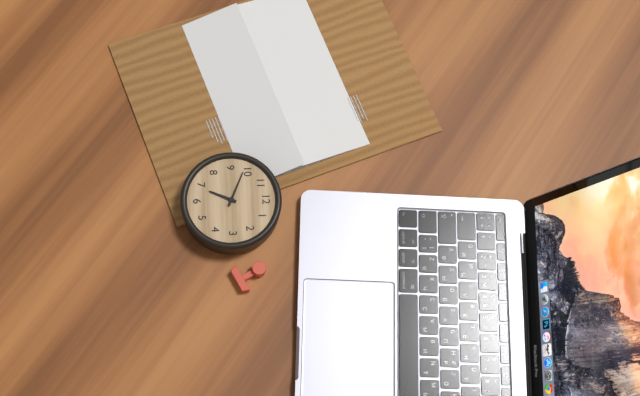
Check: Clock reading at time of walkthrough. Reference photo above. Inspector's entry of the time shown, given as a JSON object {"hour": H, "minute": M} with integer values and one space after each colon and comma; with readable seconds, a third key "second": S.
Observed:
{"hour": 6, "minute": 49}
